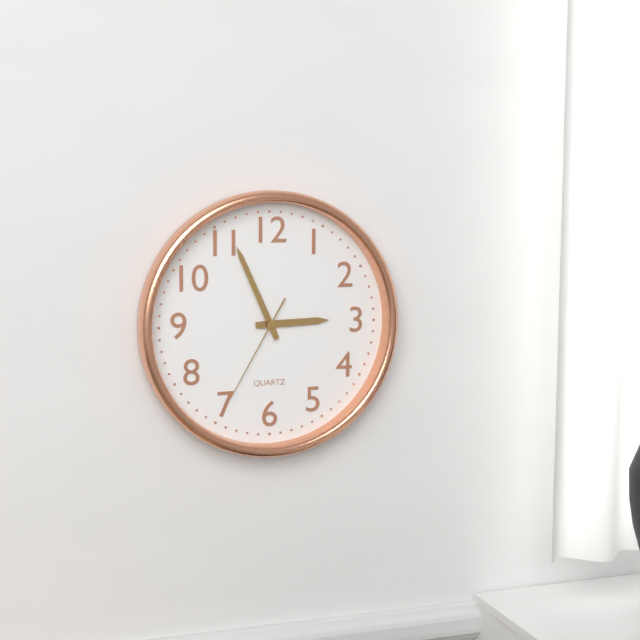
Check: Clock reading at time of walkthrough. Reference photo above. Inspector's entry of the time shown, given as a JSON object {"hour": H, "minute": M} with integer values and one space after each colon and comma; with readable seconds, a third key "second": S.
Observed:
{"hour": 2, "minute": 56, "second": 35}
